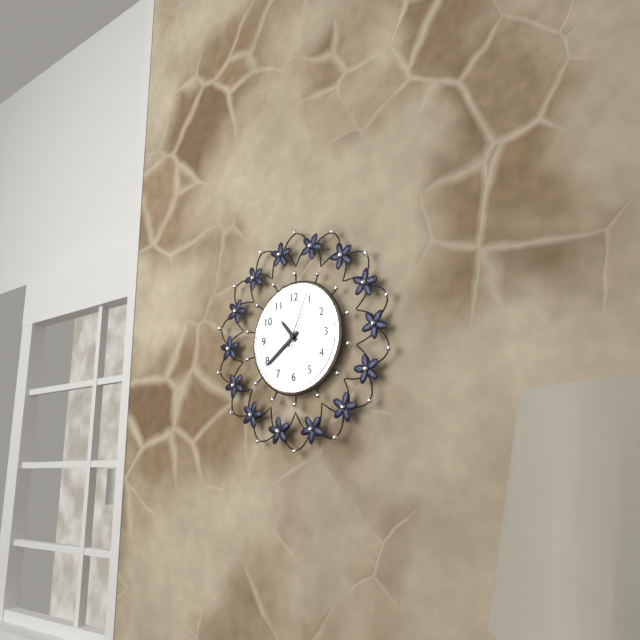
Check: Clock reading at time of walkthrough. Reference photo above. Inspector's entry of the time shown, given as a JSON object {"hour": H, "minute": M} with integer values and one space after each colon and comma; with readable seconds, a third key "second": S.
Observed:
{"hour": 10, "minute": 39, "second": 4}
